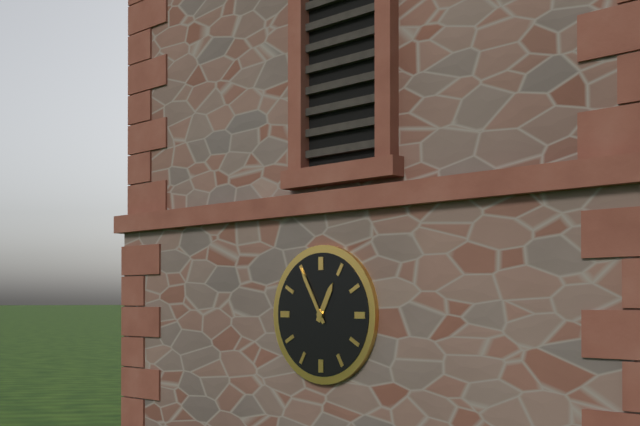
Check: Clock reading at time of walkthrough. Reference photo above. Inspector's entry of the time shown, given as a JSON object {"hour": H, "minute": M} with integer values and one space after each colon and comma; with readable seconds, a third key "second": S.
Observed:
{"hour": 12, "minute": 55}
